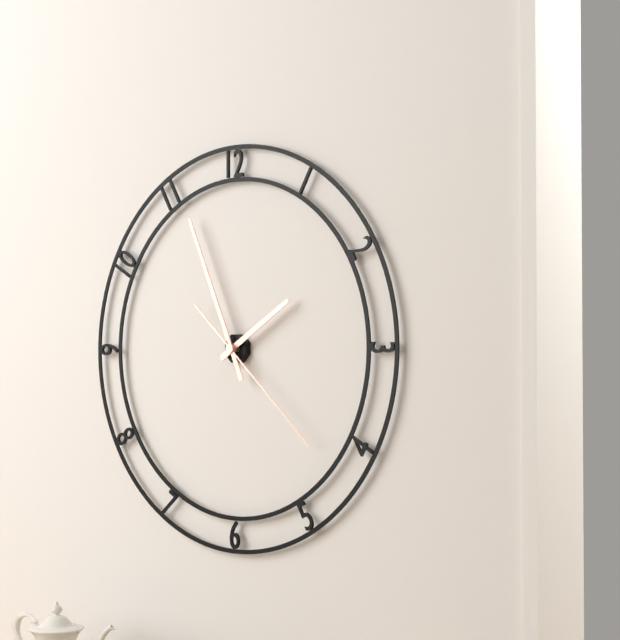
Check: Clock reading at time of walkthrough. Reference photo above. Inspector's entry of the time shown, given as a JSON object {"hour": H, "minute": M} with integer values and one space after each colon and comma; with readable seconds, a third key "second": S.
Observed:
{"hour": 1, "minute": 56, "second": 22}
